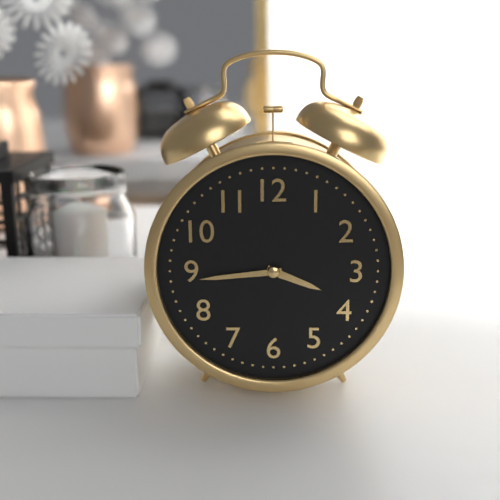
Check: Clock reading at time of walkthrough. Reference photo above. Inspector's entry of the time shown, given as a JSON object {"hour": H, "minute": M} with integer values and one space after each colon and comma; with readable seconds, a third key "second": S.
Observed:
{"hour": 3, "minute": 44}
